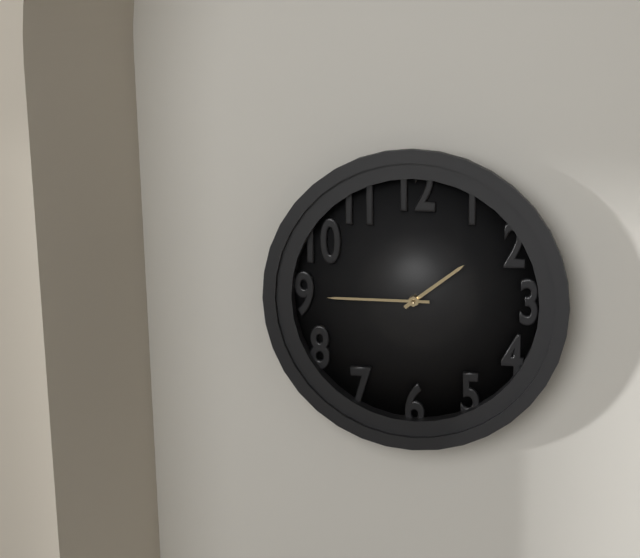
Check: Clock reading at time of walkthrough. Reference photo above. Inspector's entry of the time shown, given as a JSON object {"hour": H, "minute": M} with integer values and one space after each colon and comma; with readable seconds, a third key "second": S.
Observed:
{"hour": 1, "minute": 45}
